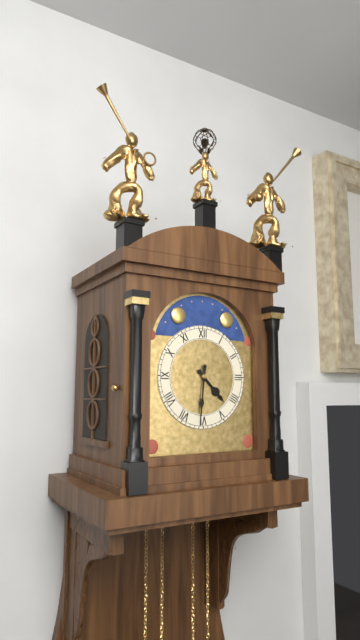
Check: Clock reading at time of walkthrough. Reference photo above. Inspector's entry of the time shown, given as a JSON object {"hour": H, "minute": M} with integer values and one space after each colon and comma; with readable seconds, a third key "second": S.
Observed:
{"hour": 4, "minute": 31}
